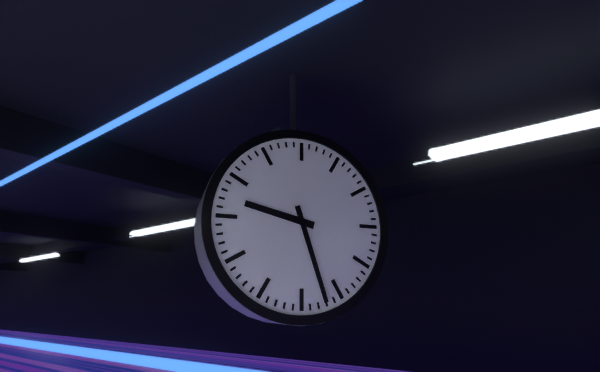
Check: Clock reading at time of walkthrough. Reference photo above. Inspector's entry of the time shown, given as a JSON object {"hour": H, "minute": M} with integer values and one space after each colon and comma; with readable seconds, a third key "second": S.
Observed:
{"hour": 9, "minute": 27}
